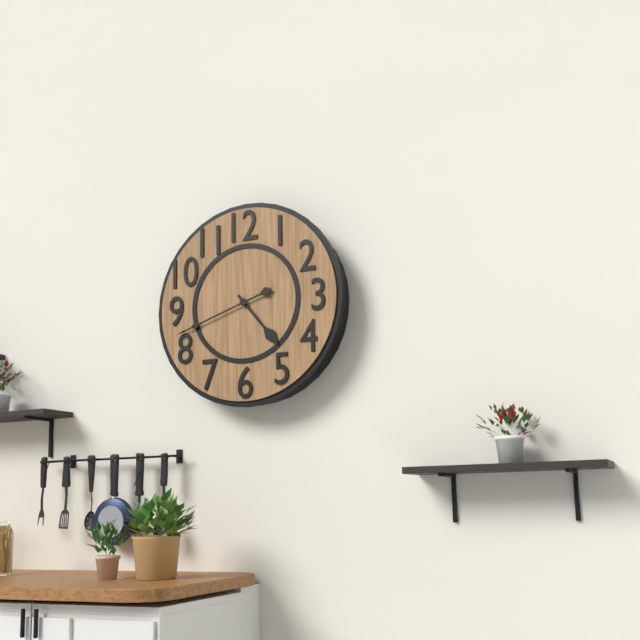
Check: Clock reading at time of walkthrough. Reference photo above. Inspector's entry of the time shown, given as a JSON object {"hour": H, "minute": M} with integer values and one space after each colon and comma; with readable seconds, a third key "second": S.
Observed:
{"hour": 4, "minute": 42}
